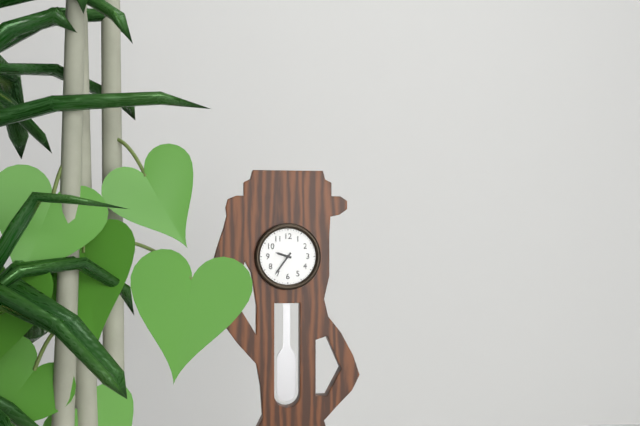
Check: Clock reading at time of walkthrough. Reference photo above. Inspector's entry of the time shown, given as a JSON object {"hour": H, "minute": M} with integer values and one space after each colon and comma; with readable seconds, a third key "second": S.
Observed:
{"hour": 9, "minute": 36}
